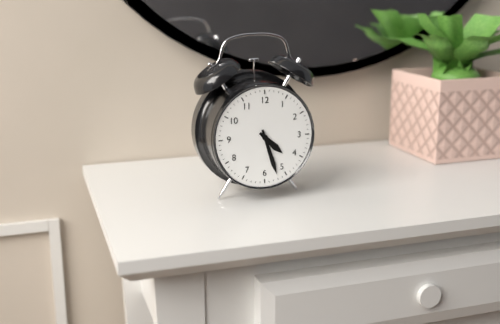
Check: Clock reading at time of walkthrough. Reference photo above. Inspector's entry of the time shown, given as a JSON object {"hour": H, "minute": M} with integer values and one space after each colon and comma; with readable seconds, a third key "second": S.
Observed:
{"hour": 4, "minute": 27}
